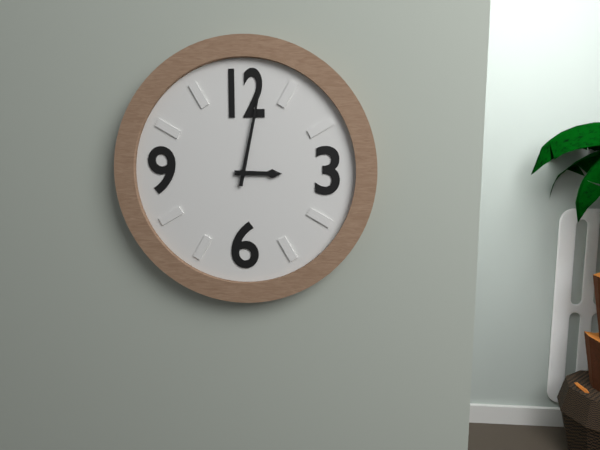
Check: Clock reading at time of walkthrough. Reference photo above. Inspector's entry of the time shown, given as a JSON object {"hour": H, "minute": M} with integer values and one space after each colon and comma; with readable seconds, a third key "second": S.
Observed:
{"hour": 3, "minute": 2}
